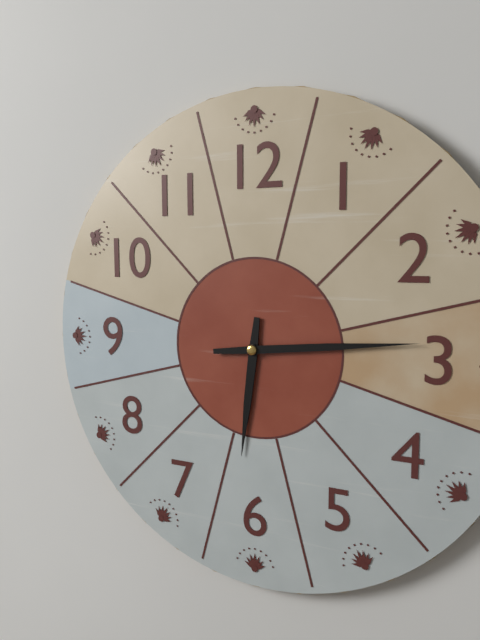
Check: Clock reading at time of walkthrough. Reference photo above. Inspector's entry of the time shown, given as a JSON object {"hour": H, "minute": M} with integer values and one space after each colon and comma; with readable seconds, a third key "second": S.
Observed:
{"hour": 6, "minute": 14}
